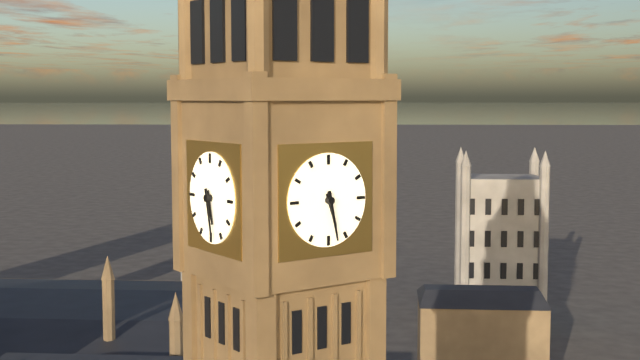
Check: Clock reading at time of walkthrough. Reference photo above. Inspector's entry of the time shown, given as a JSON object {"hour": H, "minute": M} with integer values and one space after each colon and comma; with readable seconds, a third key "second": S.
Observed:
{"hour": 5, "minute": 28}
